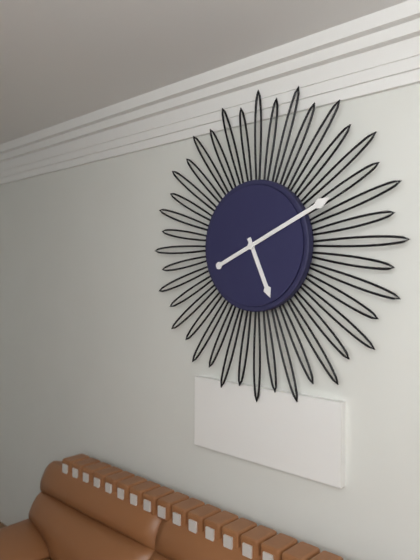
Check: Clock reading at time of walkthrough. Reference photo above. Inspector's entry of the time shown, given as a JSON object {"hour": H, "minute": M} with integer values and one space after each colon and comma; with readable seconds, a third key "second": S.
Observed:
{"hour": 5, "minute": 11}
